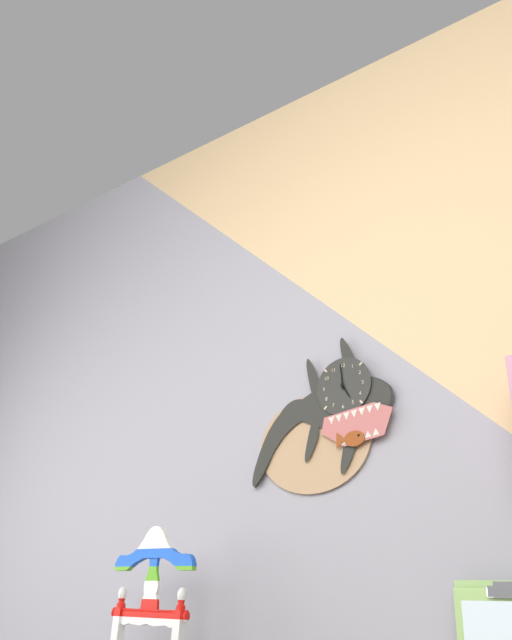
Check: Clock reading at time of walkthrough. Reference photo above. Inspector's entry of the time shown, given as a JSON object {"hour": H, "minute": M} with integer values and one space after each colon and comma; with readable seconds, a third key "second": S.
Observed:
{"hour": 4, "minute": 59}
